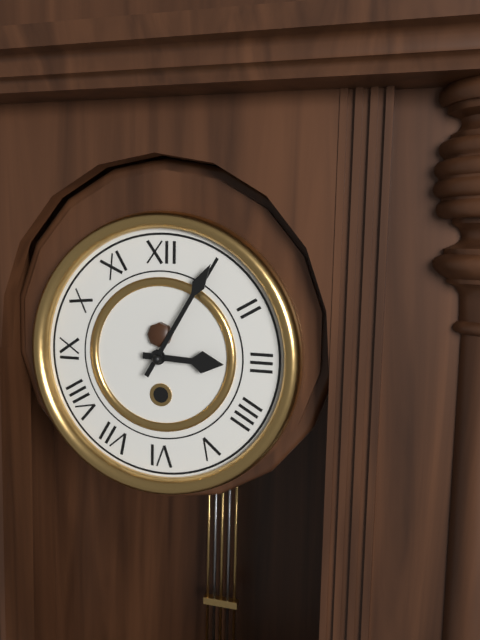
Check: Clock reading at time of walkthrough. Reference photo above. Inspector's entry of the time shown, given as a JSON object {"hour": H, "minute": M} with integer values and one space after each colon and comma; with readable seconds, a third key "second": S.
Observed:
{"hour": 3, "minute": 5}
